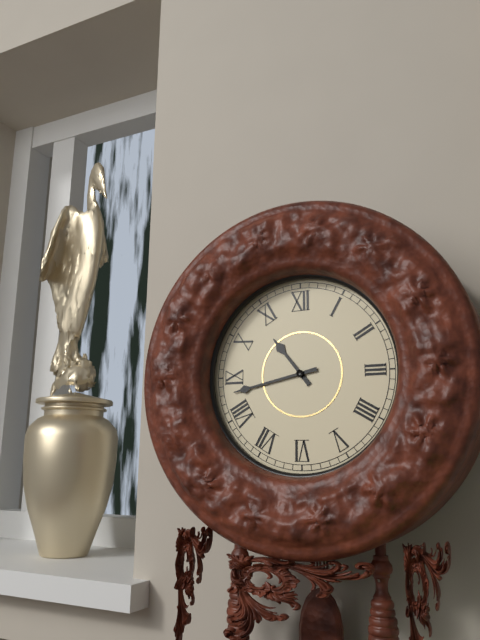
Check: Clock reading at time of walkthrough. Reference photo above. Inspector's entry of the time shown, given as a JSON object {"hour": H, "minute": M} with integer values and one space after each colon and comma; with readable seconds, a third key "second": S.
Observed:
{"hour": 10, "minute": 43}
